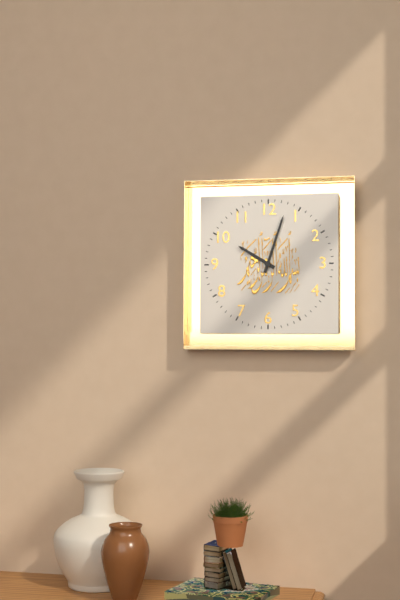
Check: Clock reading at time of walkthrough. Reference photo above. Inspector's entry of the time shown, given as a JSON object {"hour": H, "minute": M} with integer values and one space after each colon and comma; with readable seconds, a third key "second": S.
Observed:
{"hour": 10, "minute": 3}
